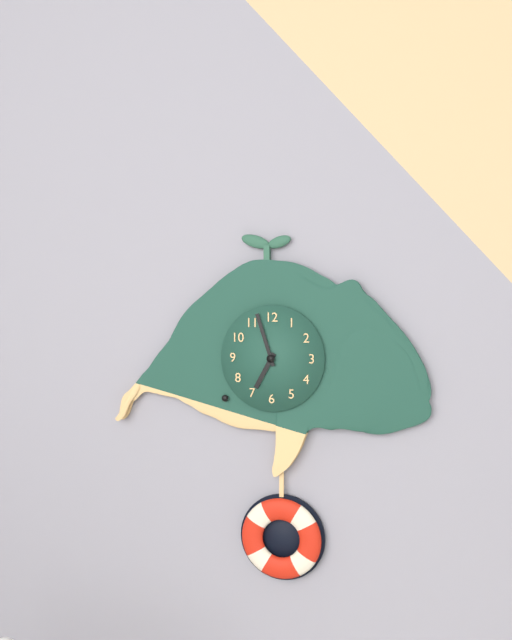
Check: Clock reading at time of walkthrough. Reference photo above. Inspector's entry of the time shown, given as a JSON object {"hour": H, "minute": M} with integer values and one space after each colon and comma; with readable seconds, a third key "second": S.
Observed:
{"hour": 6, "minute": 57}
